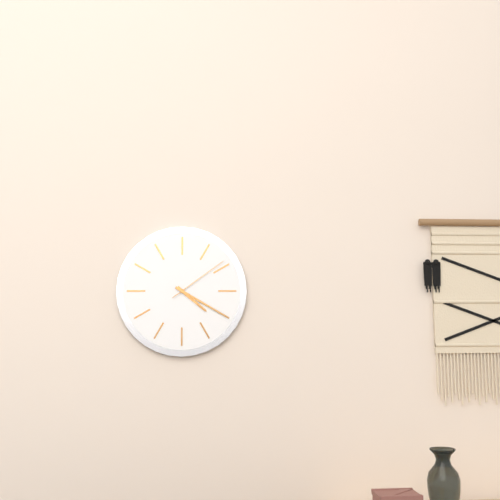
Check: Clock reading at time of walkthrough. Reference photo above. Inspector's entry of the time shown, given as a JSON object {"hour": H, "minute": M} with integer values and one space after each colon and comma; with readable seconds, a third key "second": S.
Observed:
{"hour": 4, "minute": 20, "second": 9}
